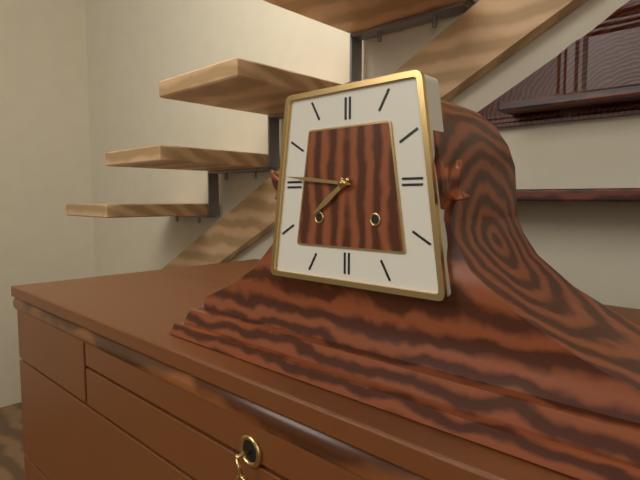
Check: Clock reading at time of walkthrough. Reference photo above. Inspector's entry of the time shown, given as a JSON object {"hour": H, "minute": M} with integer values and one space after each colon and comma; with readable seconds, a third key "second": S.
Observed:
{"hour": 7, "minute": 46}
